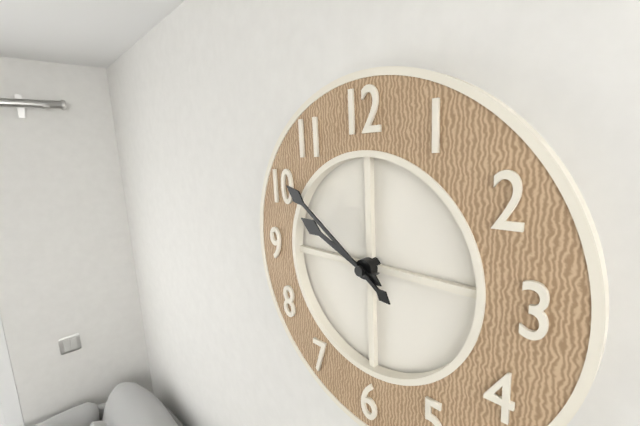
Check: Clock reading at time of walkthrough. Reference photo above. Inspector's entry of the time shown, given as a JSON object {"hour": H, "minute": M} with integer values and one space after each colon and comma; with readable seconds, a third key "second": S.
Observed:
{"hour": 9, "minute": 51}
